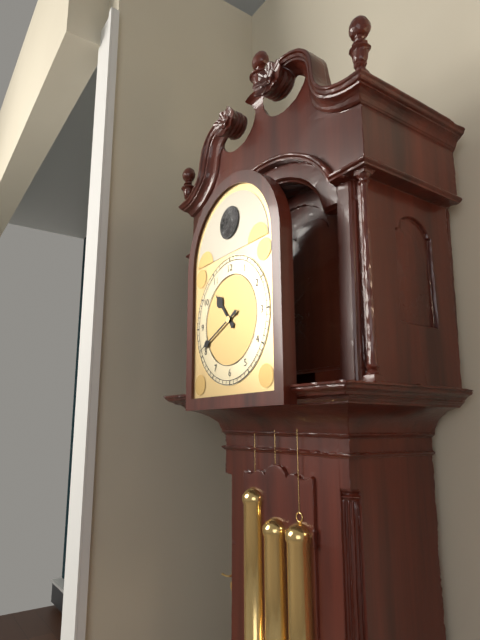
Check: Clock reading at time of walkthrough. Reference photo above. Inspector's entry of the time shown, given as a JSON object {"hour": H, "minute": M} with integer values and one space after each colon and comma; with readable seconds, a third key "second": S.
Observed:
{"hour": 10, "minute": 41}
